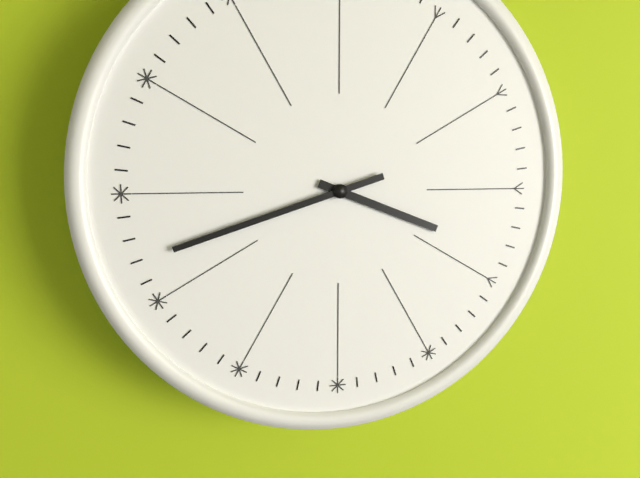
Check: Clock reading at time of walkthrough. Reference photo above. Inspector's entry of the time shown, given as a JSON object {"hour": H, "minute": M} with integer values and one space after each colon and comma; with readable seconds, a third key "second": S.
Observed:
{"hour": 3, "minute": 42}
